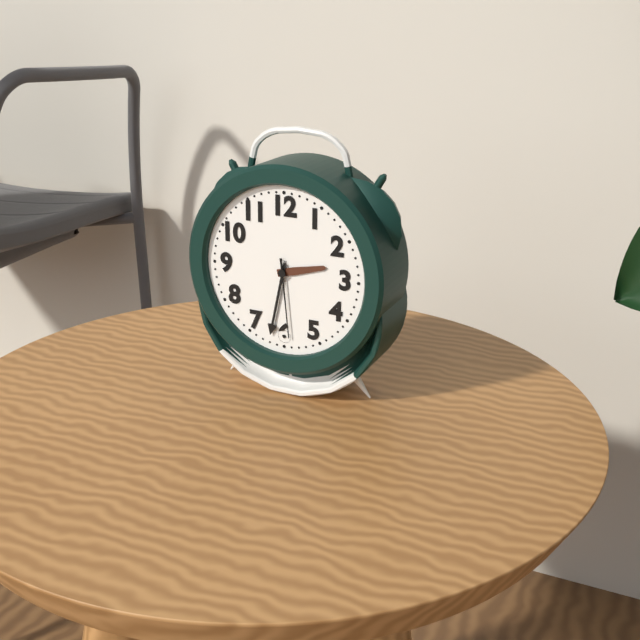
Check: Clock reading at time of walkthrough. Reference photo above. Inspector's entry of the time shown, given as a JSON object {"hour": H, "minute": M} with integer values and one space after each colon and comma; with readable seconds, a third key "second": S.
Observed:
{"hour": 2, "minute": 32, "second": 29}
